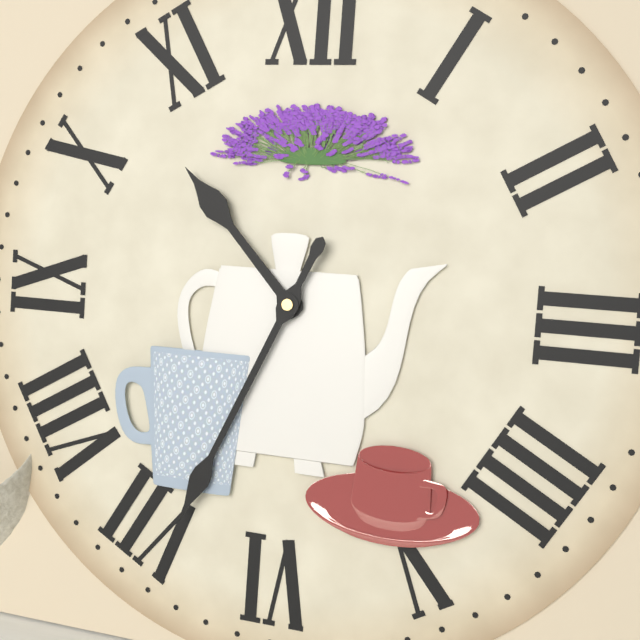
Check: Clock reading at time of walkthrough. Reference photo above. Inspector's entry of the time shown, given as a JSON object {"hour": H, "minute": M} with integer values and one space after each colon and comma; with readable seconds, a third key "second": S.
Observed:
{"hour": 10, "minute": 34}
